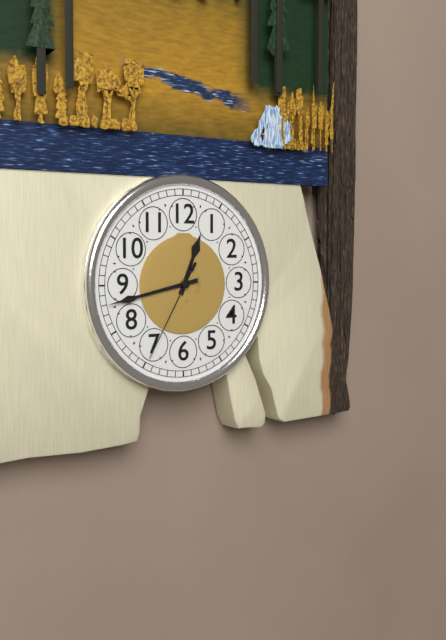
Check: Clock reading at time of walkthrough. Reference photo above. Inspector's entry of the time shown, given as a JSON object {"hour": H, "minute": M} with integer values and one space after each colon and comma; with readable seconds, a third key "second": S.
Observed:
{"hour": 12, "minute": 43, "second": 35}
